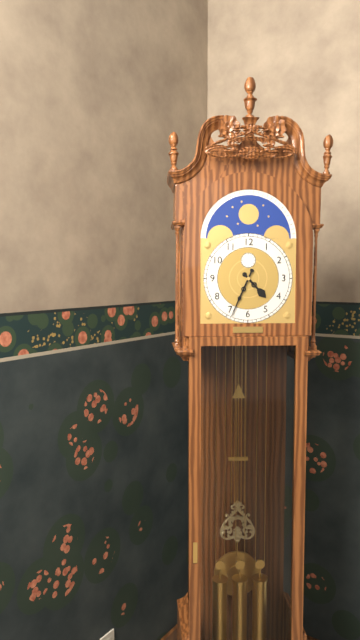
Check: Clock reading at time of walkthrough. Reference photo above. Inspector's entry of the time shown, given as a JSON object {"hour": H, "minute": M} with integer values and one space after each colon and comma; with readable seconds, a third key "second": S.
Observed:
{"hour": 4, "minute": 34}
